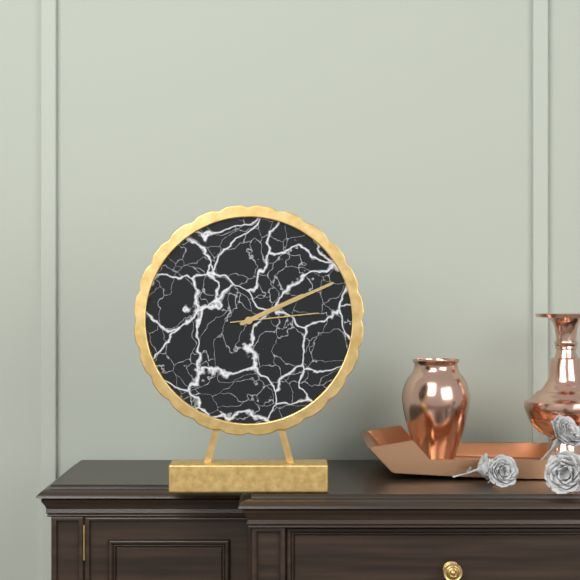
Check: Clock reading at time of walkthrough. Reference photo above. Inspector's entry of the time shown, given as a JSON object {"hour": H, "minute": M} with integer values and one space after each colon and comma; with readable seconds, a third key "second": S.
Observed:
{"hour": 2, "minute": 11, "second": 14}
